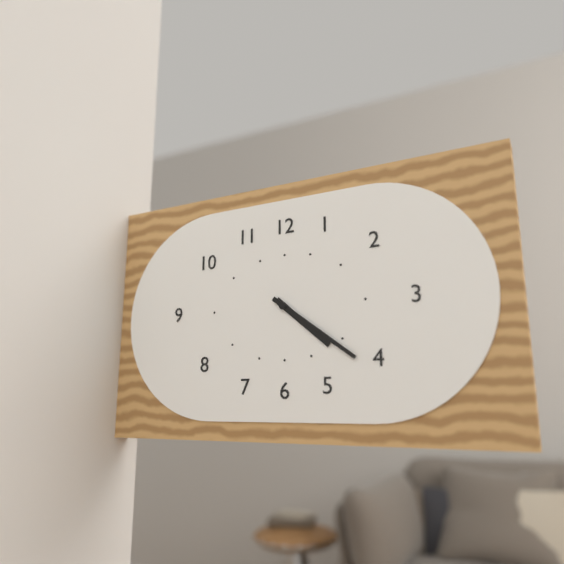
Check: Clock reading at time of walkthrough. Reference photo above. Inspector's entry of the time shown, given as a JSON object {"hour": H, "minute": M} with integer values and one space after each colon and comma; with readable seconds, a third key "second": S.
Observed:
{"hour": 4, "minute": 21}
